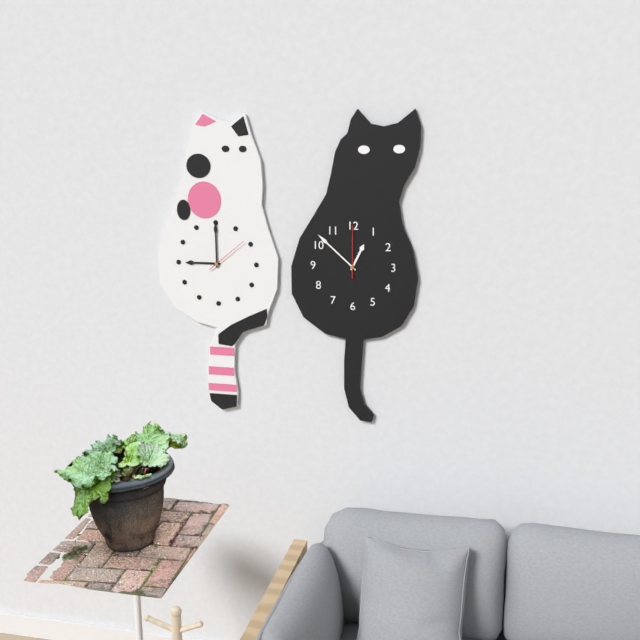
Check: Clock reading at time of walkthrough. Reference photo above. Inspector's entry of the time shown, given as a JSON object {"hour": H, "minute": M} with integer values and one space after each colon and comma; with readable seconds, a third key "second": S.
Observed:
{"hour": 12, "minute": 52, "second": 0}
